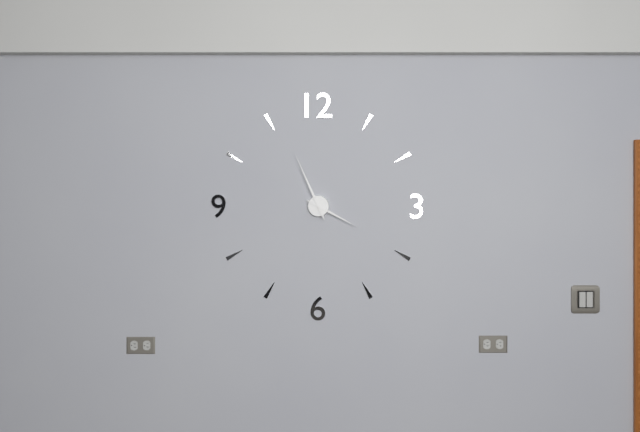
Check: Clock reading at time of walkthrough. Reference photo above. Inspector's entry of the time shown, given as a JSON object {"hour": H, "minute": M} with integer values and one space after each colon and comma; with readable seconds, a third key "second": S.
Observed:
{"hour": 3, "minute": 56}
